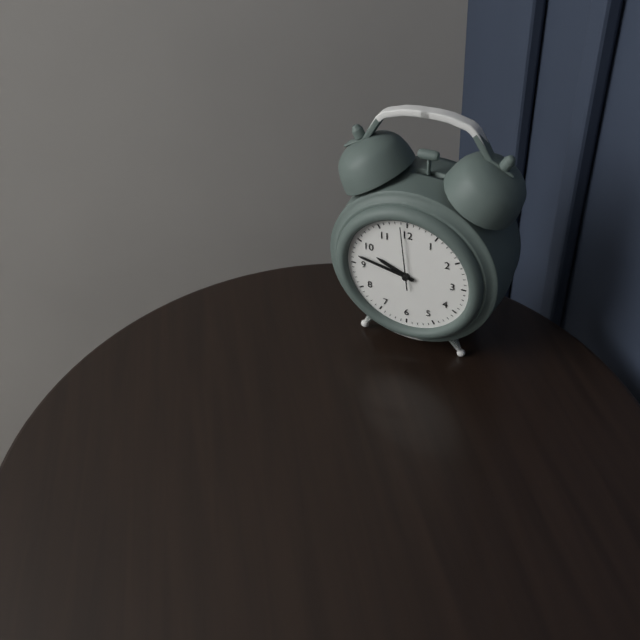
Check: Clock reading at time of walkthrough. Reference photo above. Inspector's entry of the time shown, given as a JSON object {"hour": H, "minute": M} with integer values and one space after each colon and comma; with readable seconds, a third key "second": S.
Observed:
{"hour": 9, "minute": 47, "second": 59}
